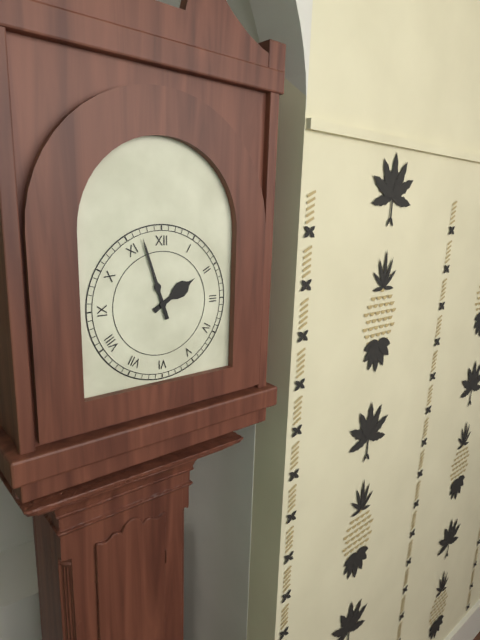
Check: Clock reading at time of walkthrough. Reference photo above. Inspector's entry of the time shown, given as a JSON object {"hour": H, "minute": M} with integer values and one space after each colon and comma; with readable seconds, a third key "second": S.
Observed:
{"hour": 1, "minute": 57}
